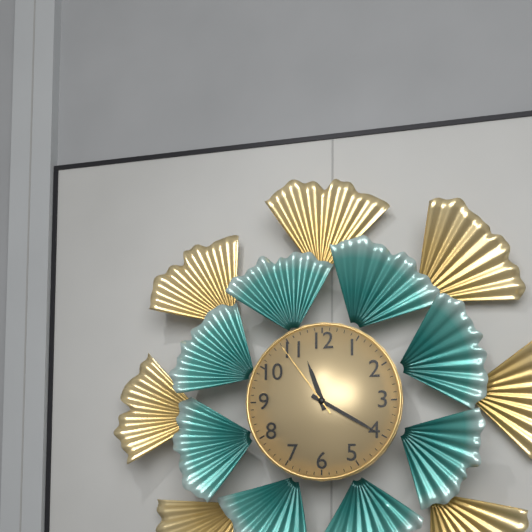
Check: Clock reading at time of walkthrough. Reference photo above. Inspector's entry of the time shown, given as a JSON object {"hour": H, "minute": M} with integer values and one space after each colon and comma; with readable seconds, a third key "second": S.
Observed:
{"hour": 11, "minute": 20, "second": 54}
